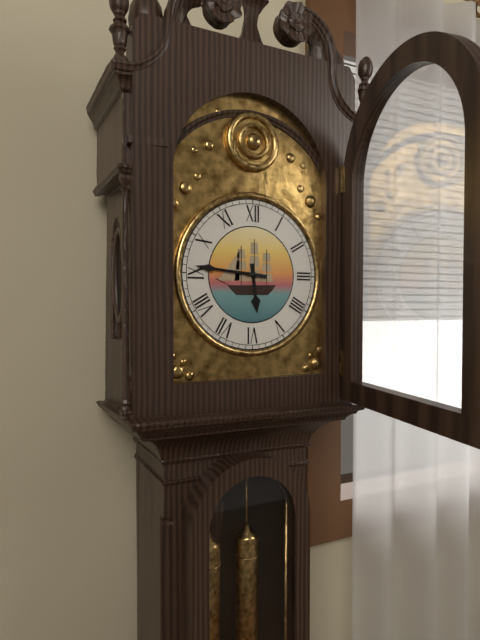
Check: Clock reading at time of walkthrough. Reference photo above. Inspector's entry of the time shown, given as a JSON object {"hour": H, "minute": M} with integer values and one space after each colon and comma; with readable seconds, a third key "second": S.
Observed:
{"hour": 5, "minute": 46}
